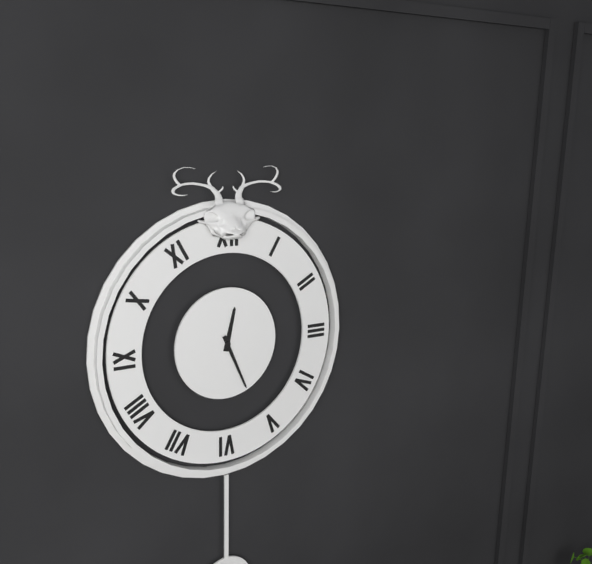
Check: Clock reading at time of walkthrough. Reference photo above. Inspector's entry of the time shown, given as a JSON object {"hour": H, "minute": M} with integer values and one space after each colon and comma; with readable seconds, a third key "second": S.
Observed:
{"hour": 12, "minute": 26}
